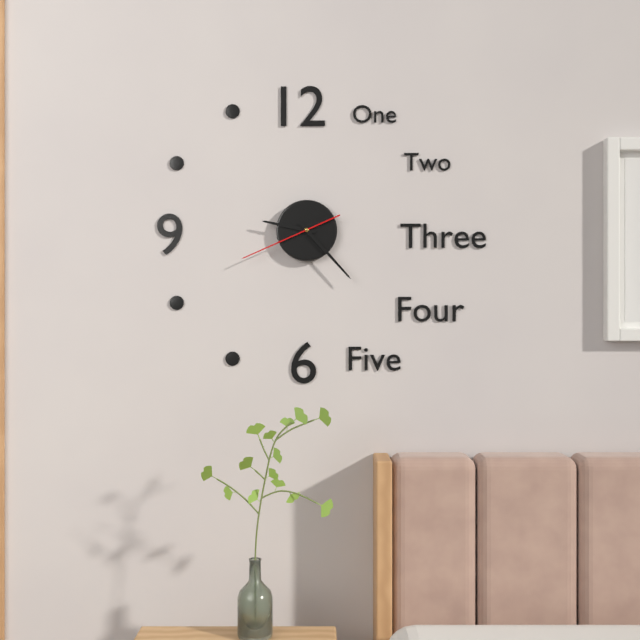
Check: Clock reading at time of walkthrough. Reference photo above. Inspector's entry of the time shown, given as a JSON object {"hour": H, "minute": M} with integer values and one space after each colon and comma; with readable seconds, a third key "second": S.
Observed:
{"hour": 9, "minute": 23, "second": 41}
